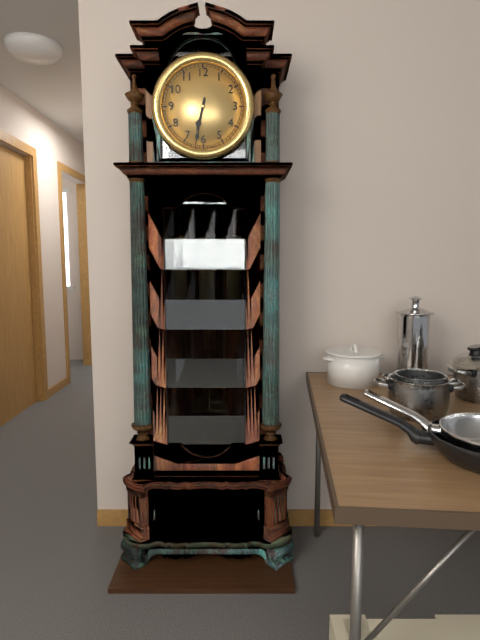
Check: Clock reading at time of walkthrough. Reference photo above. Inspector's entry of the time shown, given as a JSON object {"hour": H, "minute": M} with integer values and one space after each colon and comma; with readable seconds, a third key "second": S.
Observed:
{"hour": 6, "minute": 32}
